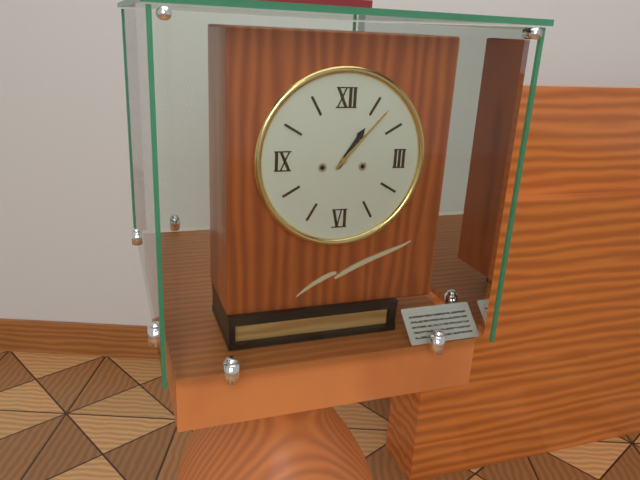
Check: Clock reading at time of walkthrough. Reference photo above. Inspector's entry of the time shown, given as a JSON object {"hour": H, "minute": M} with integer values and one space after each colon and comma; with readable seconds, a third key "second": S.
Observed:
{"hour": 1, "minute": 7}
